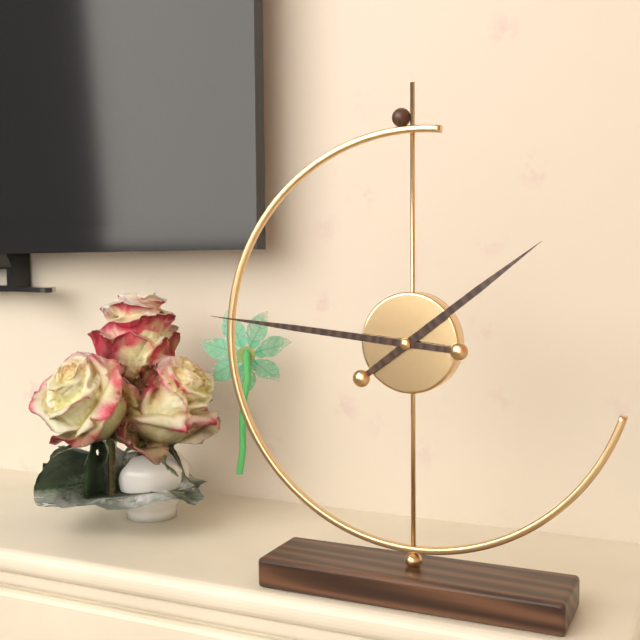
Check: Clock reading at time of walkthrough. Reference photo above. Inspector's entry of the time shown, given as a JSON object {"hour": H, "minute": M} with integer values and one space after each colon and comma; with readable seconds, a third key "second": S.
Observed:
{"hour": 1, "minute": 46}
